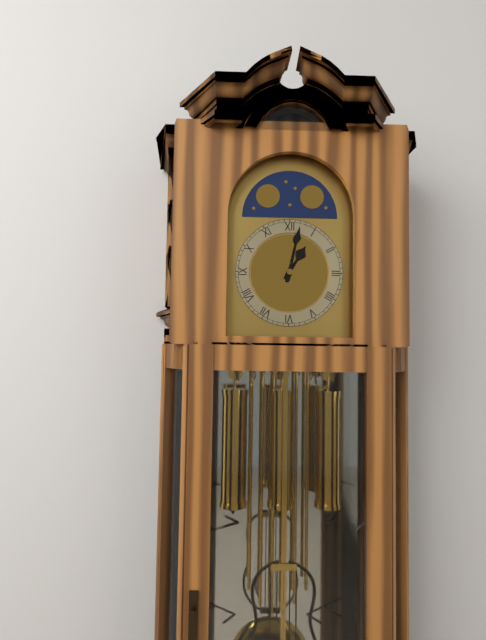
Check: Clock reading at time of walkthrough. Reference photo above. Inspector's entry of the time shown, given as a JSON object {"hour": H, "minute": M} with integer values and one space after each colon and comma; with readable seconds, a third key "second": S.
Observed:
{"hour": 1, "minute": 2}
